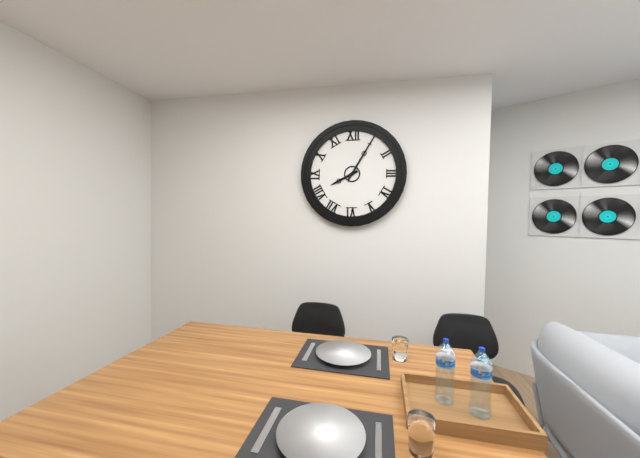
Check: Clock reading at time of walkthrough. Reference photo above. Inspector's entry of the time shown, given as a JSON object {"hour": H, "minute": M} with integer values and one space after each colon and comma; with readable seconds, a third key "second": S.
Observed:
{"hour": 8, "minute": 5}
